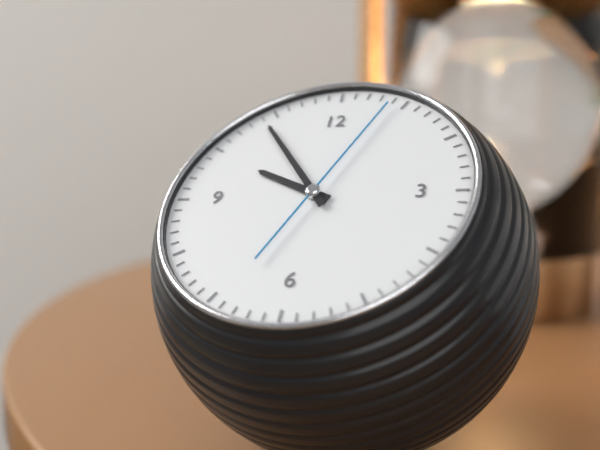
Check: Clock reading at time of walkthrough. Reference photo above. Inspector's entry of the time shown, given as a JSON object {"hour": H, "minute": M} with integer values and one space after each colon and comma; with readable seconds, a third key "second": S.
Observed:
{"hour": 9, "minute": 54, "second": 4}
